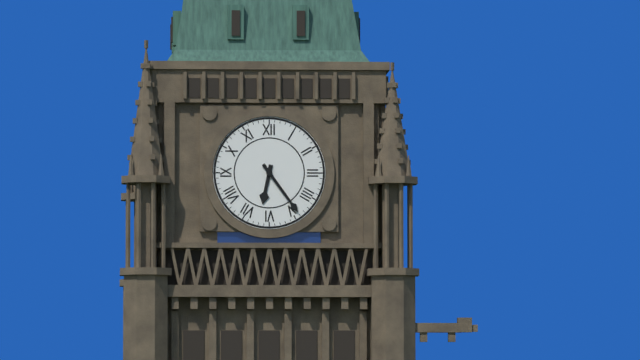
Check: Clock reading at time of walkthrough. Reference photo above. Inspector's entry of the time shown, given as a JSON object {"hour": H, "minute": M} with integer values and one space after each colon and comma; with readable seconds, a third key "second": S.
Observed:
{"hour": 6, "minute": 24}
